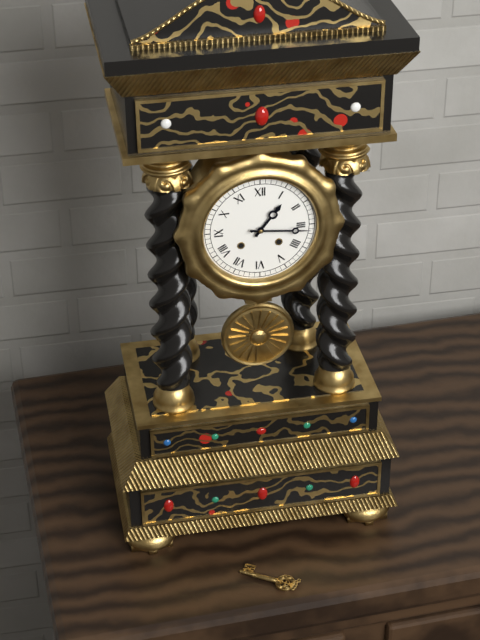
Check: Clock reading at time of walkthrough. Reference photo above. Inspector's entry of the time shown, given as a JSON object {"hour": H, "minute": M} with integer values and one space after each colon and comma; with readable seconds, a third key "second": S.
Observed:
{"hour": 1, "minute": 16}
